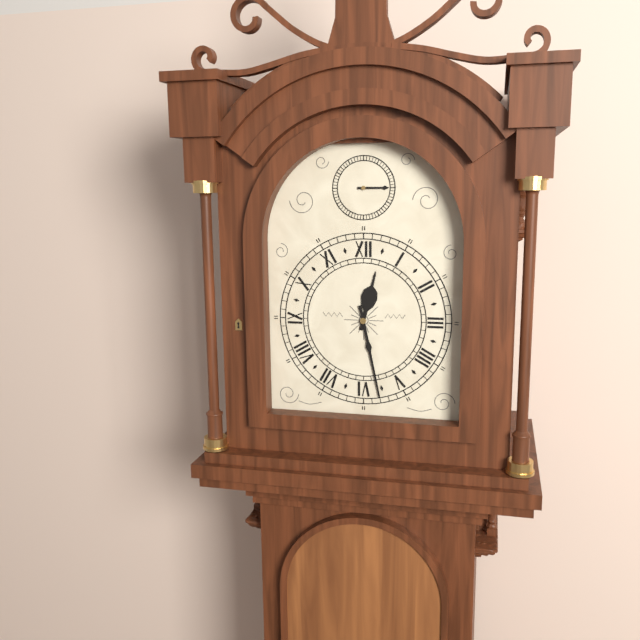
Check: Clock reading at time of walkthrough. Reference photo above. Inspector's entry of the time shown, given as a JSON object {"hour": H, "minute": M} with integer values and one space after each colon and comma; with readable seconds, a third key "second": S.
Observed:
{"hour": 12, "minute": 28}
